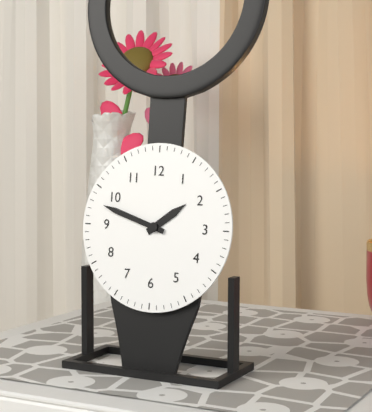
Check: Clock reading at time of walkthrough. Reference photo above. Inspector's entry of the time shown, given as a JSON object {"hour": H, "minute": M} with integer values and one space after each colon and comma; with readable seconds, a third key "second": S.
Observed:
{"hour": 1, "minute": 48}
